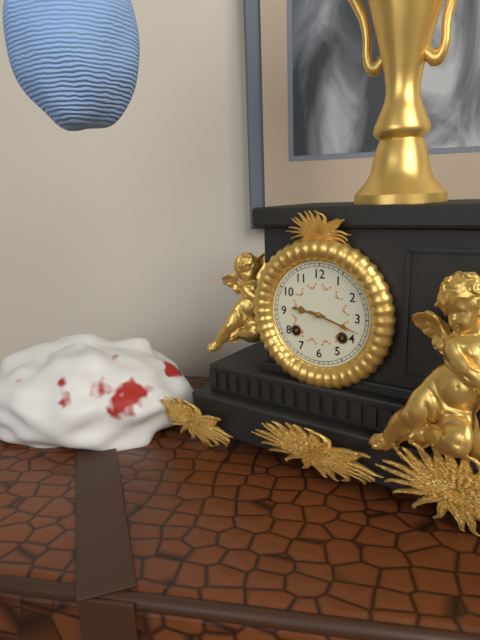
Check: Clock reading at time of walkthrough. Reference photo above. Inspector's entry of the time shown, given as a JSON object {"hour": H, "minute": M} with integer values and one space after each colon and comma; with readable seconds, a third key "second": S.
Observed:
{"hour": 9, "minute": 18}
